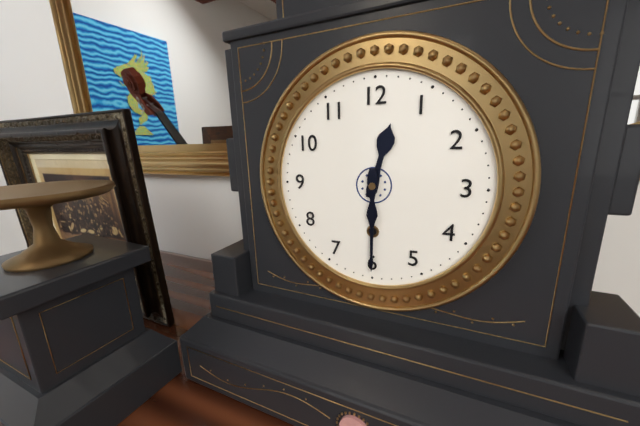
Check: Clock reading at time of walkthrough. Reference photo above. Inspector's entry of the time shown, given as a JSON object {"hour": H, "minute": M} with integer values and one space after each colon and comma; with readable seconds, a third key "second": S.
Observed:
{"hour": 12, "minute": 30}
